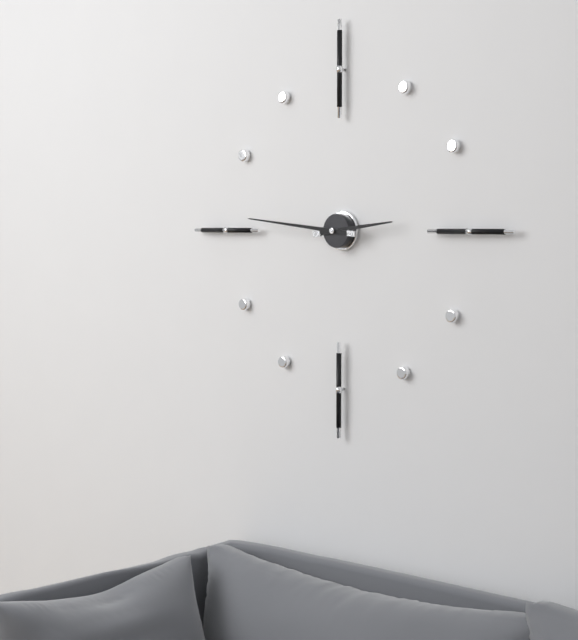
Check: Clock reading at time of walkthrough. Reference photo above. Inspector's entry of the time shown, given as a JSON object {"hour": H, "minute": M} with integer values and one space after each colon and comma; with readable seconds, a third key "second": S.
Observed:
{"hour": 2, "minute": 46}
